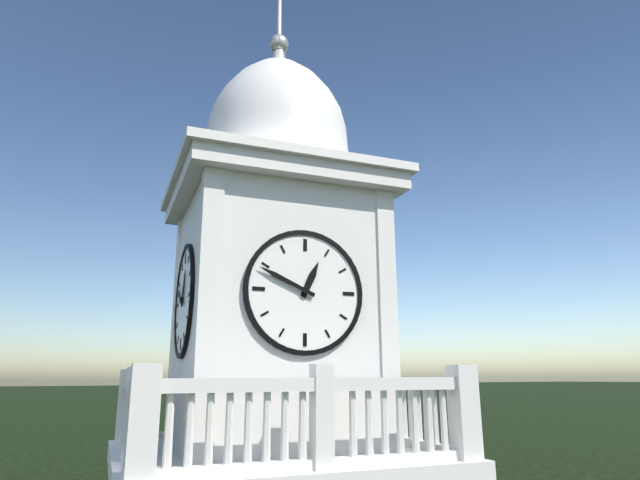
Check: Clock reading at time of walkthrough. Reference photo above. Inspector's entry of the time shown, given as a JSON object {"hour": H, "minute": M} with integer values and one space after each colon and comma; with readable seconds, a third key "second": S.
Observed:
{"hour": 12, "minute": 49}
